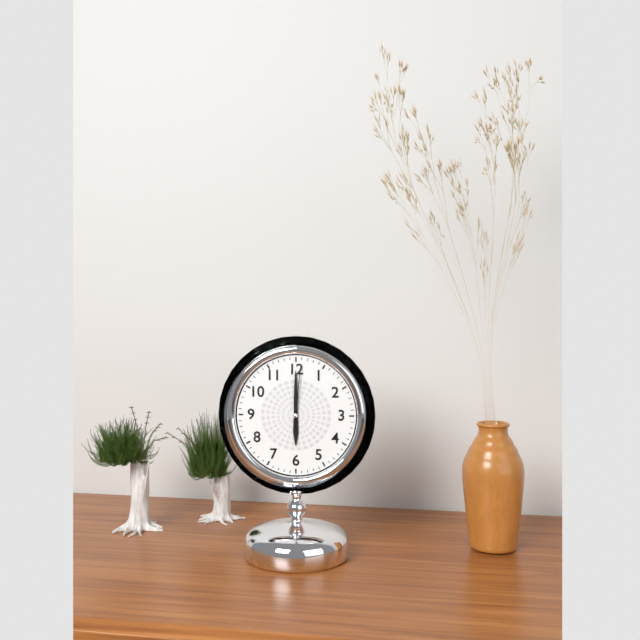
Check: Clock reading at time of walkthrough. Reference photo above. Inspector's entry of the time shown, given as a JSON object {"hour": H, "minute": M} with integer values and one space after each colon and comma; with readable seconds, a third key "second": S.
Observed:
{"hour": 6, "minute": 0, "second": 1}
